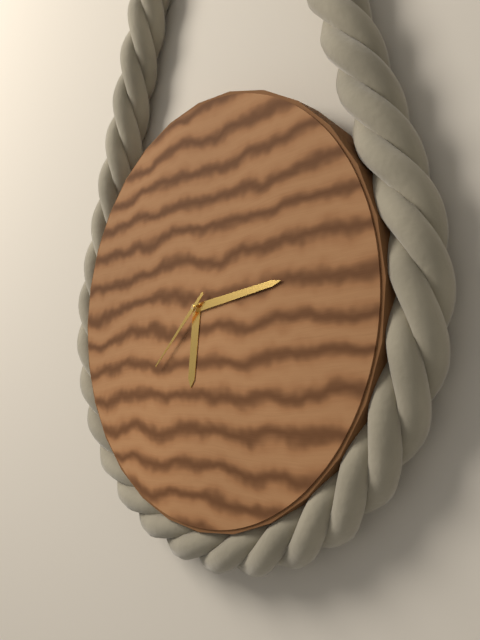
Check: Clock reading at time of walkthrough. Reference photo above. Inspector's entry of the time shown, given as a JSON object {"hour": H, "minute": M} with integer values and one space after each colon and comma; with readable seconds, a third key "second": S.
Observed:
{"hour": 6, "minute": 14, "second": 38}
